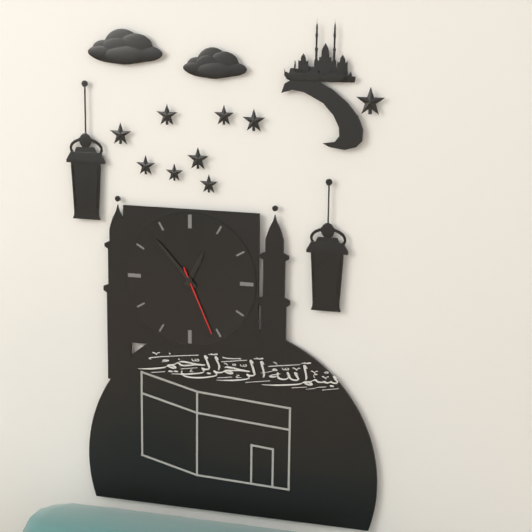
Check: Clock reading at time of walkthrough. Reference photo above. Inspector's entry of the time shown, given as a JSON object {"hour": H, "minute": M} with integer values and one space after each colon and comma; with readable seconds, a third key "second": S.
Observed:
{"hour": 12, "minute": 53, "second": 26}
